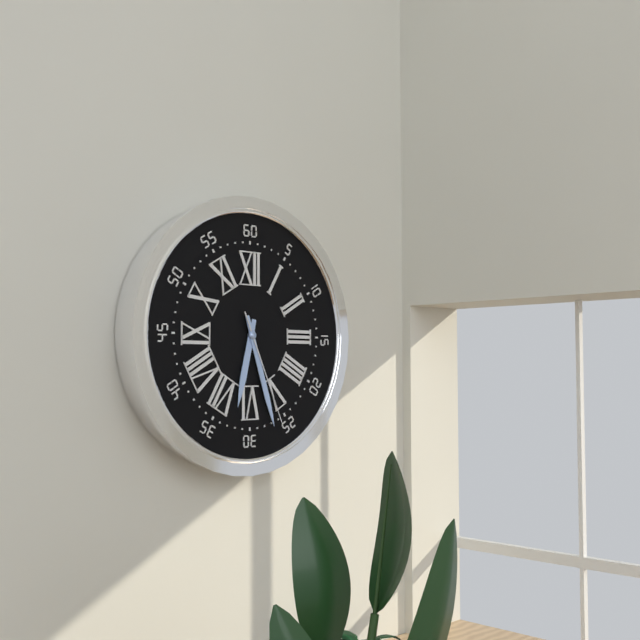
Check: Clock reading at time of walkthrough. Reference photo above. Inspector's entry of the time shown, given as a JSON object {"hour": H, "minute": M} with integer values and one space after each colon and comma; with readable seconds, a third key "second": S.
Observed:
{"hour": 6, "minute": 27, "second": 26}
